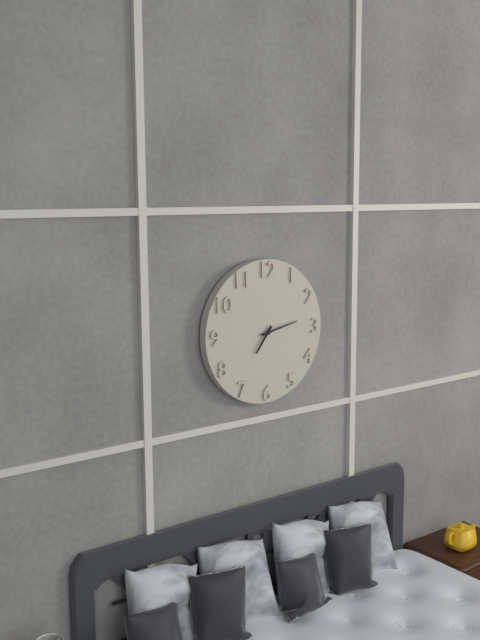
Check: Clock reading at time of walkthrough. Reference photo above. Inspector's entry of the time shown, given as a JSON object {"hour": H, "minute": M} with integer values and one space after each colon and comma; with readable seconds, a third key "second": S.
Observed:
{"hour": 7, "minute": 13}
